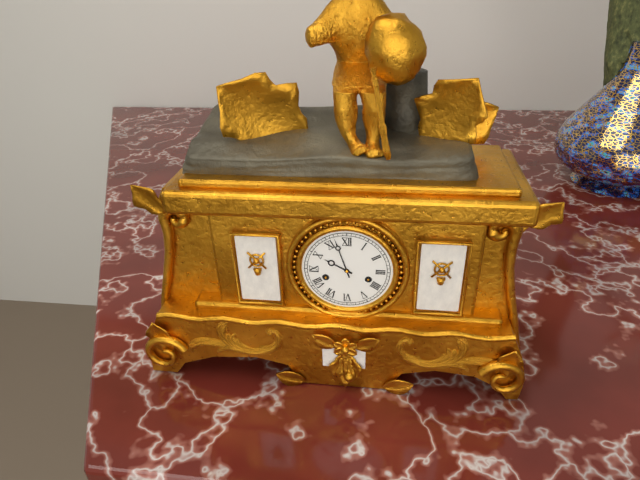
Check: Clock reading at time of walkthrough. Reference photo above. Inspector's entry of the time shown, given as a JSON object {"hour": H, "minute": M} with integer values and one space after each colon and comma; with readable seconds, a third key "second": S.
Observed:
{"hour": 9, "minute": 57}
